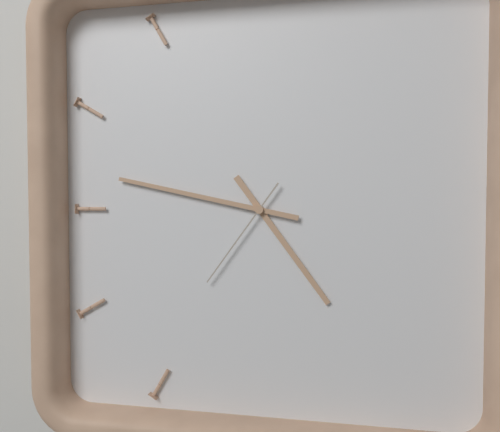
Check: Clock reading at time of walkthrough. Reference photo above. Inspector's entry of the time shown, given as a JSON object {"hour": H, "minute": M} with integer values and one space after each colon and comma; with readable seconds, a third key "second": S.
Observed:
{"hour": 4, "minute": 47, "second": 36}
